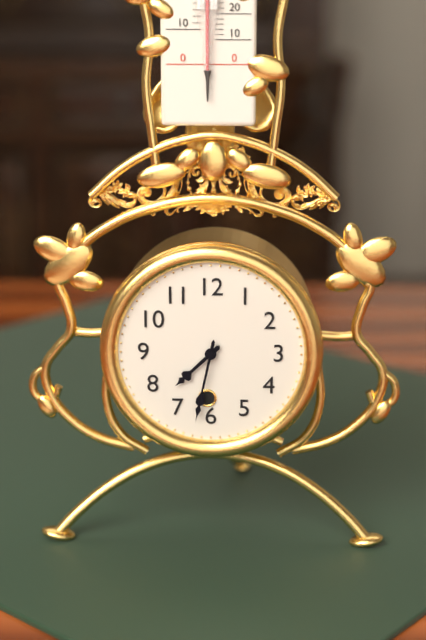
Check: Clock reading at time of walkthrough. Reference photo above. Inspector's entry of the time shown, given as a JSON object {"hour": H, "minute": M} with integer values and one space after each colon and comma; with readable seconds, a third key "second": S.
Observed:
{"hour": 7, "minute": 32}
